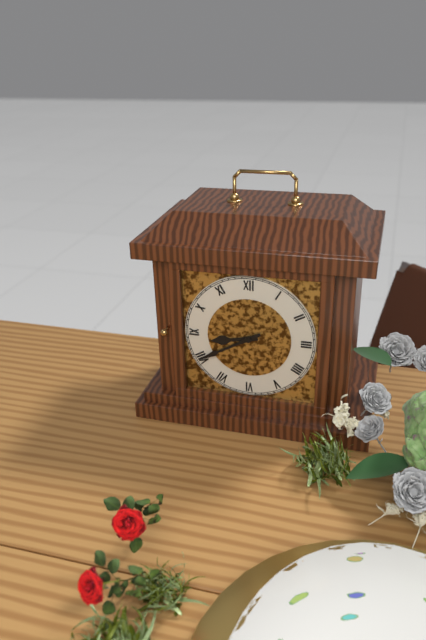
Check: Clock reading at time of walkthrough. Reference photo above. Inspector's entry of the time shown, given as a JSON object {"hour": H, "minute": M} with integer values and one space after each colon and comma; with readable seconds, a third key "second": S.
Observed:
{"hour": 8, "minute": 40}
